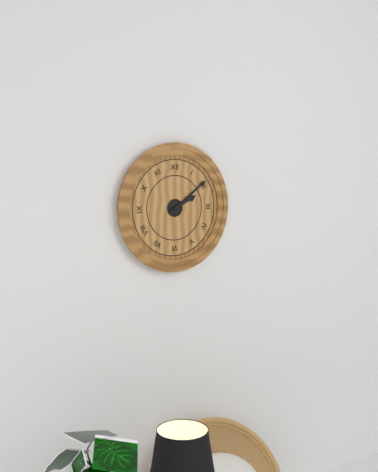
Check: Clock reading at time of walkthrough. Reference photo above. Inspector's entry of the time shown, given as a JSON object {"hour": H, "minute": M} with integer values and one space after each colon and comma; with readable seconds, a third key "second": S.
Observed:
{"hour": 2, "minute": 9}
